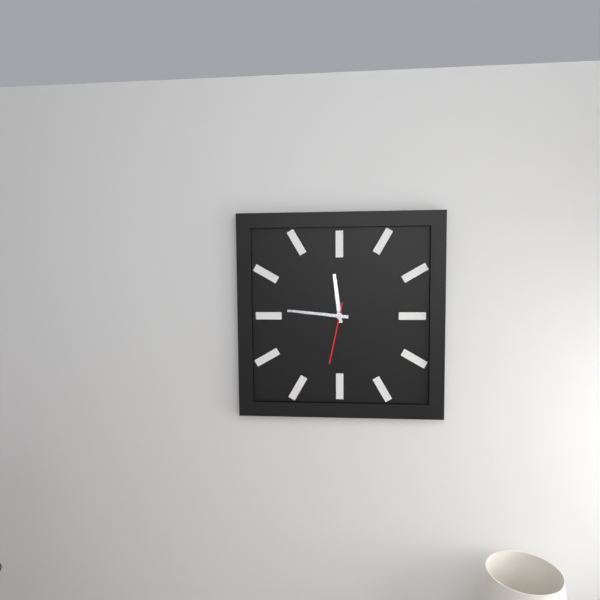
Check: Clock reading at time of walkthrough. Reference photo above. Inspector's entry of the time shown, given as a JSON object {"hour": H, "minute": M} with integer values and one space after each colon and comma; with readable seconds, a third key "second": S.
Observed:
{"hour": 11, "minute": 46, "second": 32}
